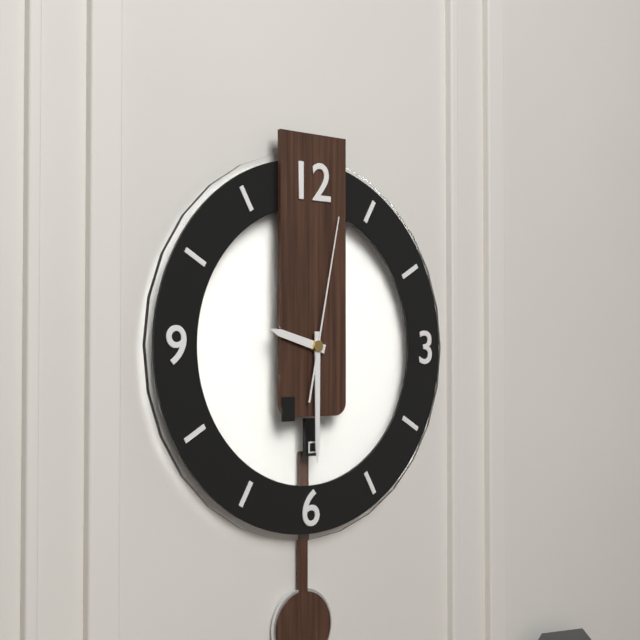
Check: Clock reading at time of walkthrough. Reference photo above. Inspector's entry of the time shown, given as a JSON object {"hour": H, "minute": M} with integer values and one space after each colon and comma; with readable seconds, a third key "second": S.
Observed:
{"hour": 9, "minute": 30, "second": 2}
